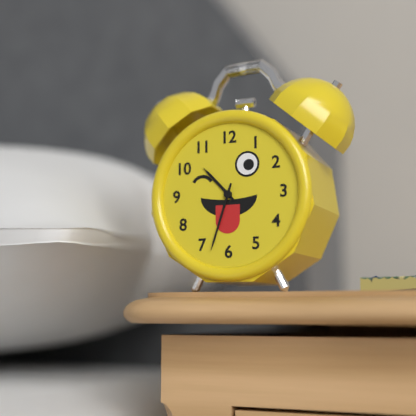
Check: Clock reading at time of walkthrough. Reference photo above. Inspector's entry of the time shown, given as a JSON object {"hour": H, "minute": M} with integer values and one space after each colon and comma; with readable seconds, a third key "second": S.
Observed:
{"hour": 10, "minute": 33}
